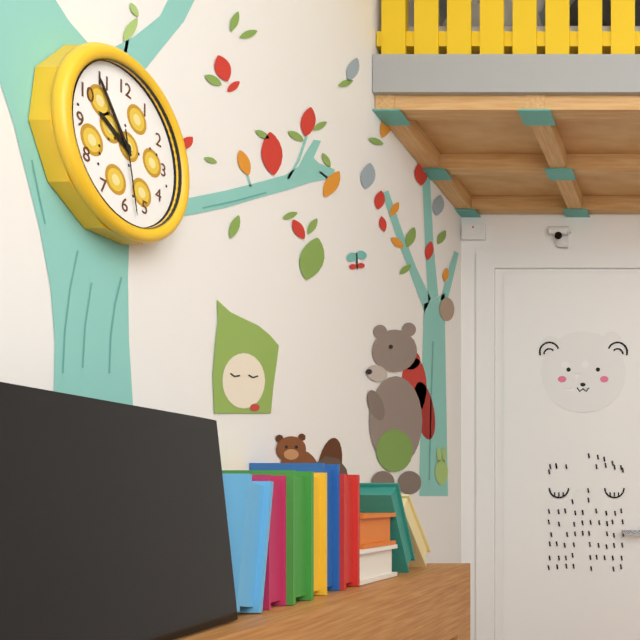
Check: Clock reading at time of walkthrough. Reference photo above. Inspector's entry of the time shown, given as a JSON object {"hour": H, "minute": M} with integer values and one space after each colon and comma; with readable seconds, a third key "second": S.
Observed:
{"hour": 9, "minute": 54, "second": 28}
